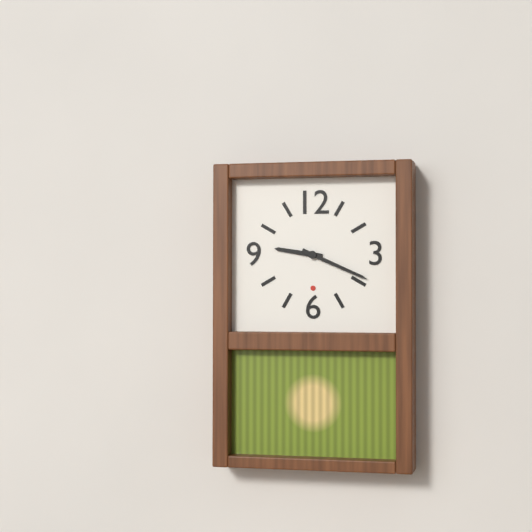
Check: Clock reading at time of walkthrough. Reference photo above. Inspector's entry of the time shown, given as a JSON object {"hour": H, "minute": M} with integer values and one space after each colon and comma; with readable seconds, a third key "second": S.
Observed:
{"hour": 9, "minute": 19}
